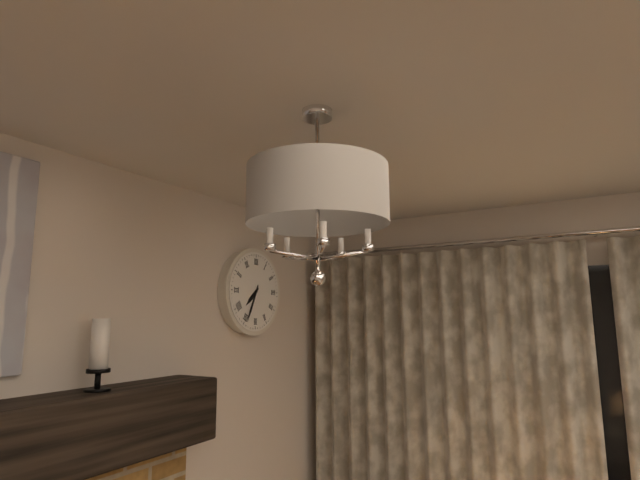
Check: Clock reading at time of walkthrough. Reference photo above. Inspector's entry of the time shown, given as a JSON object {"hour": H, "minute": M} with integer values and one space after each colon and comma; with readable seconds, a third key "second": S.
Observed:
{"hour": 7, "minute": 34}
